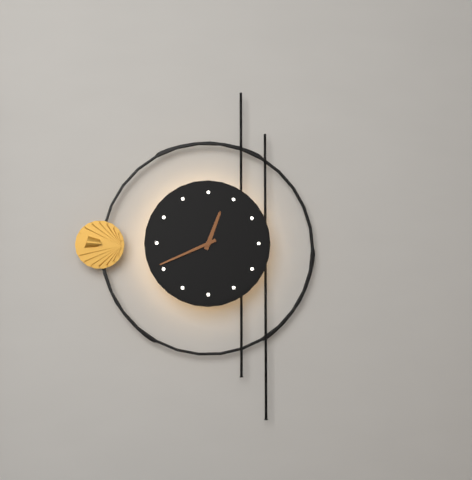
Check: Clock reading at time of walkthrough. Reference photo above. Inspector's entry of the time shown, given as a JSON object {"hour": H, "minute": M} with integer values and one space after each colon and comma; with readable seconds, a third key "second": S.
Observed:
{"hour": 12, "minute": 41}
